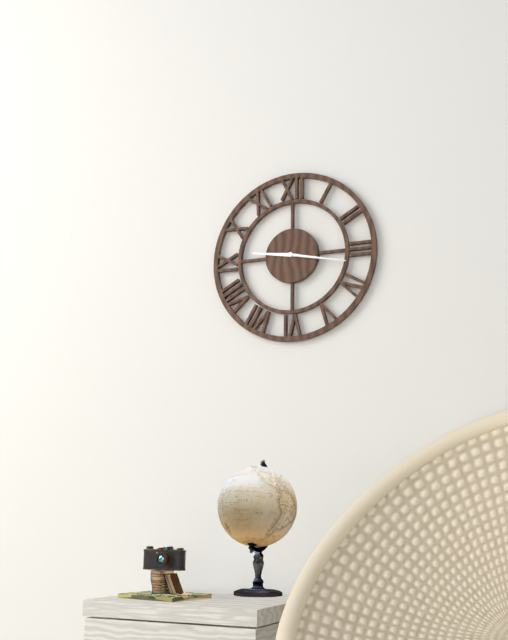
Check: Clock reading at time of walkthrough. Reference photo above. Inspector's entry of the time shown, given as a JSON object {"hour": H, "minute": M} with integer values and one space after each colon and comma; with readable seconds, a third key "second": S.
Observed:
{"hour": 9, "minute": 17}
